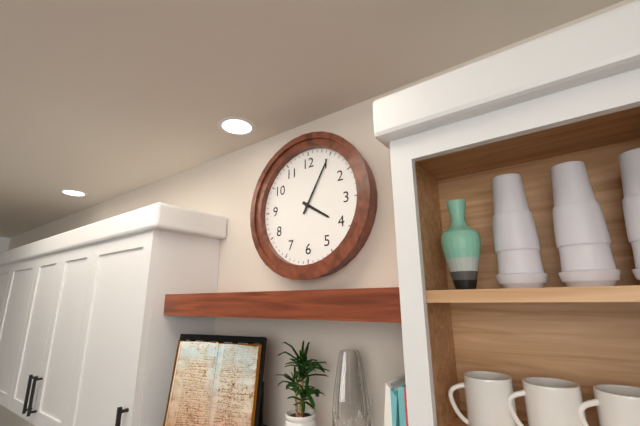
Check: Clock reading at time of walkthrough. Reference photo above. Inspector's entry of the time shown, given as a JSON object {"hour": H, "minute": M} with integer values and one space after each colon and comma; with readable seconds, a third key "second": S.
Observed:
{"hour": 4, "minute": 5}
